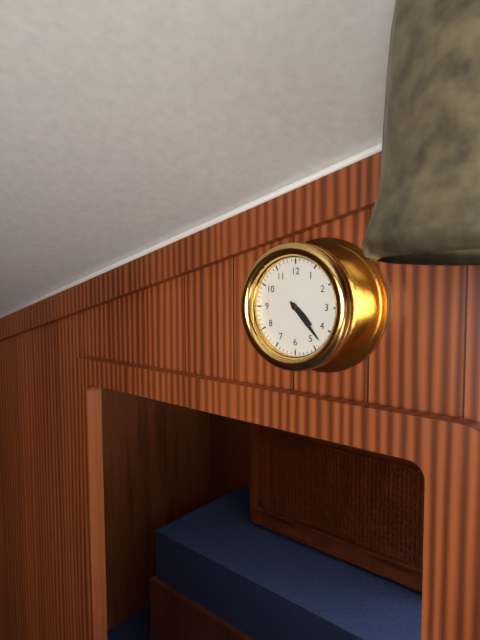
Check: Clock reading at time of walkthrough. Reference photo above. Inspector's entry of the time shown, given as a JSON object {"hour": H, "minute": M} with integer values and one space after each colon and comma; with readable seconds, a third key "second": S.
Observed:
{"hour": 4, "minute": 23}
